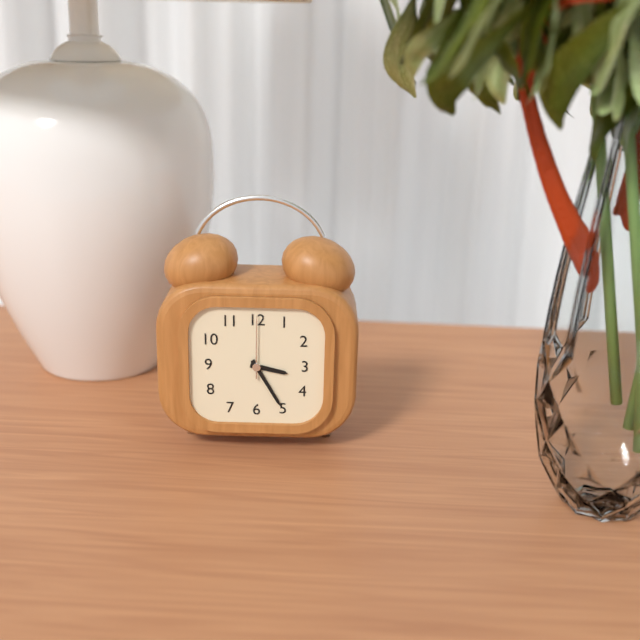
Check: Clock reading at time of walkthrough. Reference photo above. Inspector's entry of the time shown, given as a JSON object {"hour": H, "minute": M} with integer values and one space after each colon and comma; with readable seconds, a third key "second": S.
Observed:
{"hour": 3, "minute": 25, "second": 0}
